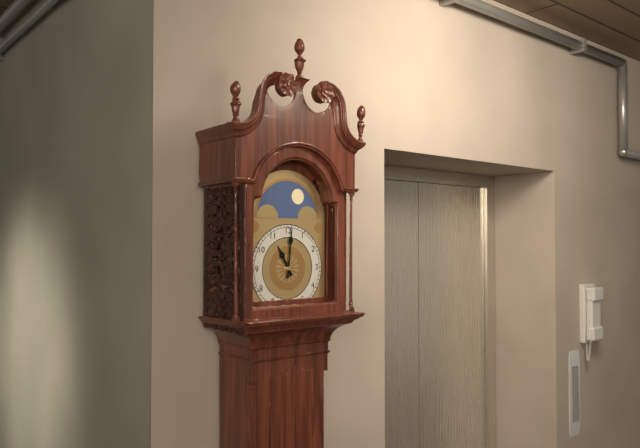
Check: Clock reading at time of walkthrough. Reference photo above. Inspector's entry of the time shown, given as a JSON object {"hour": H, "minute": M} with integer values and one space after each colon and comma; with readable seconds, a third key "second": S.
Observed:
{"hour": 11, "minute": 1}
